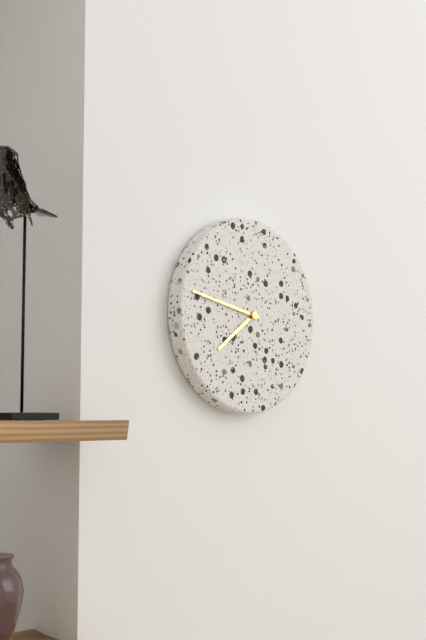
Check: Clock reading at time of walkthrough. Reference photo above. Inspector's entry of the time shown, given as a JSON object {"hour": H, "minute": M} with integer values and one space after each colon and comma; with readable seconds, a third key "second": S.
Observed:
{"hour": 7, "minute": 47}
